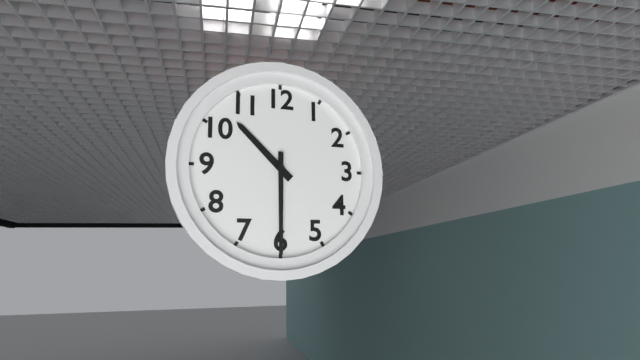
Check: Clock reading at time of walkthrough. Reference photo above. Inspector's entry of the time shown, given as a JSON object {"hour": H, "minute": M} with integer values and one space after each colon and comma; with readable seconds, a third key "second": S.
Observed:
{"hour": 10, "minute": 30}
